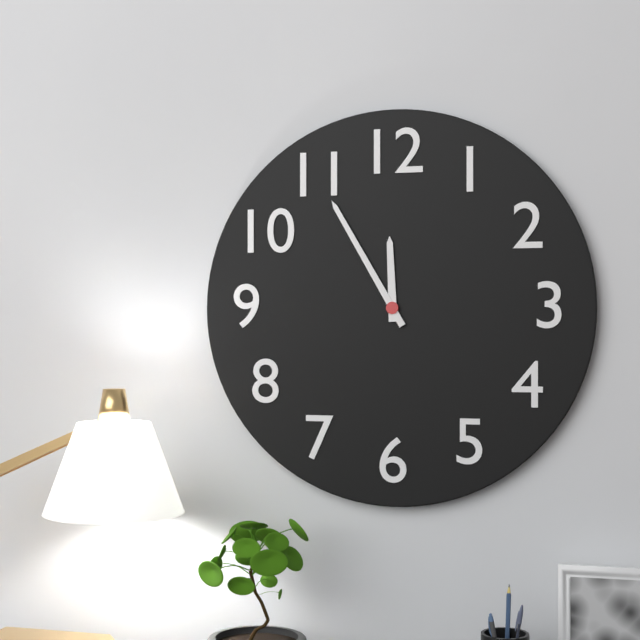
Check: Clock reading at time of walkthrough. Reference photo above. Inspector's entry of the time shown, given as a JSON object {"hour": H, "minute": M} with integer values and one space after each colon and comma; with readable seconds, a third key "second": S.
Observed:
{"hour": 11, "minute": 55}
